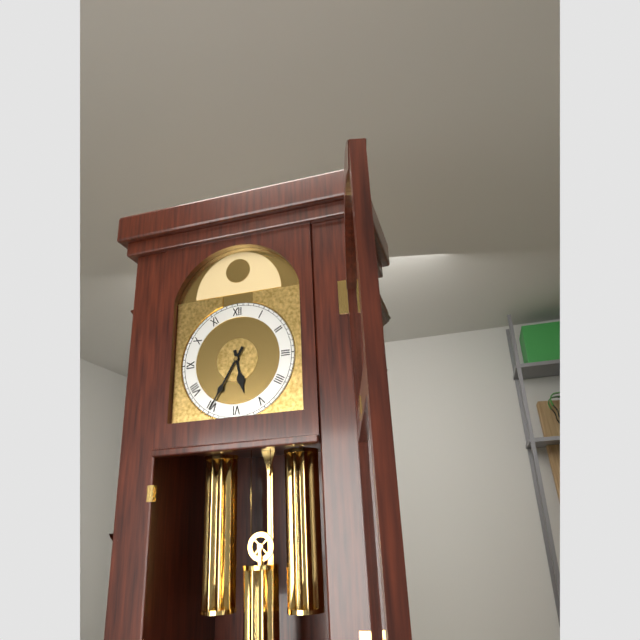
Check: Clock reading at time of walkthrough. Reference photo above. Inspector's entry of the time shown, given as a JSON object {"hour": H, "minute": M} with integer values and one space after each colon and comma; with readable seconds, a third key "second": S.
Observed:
{"hour": 5, "minute": 35}
